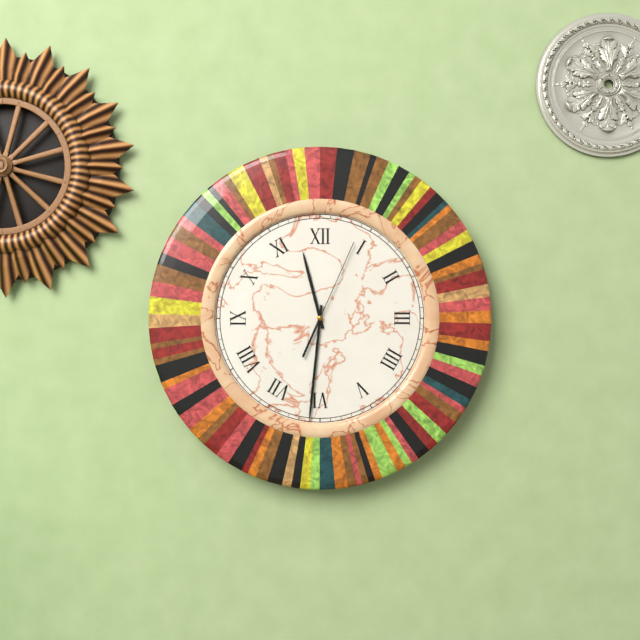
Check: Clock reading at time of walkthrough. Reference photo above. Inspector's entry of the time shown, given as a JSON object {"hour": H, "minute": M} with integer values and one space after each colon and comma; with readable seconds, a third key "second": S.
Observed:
{"hour": 11, "minute": 31, "second": 4}
